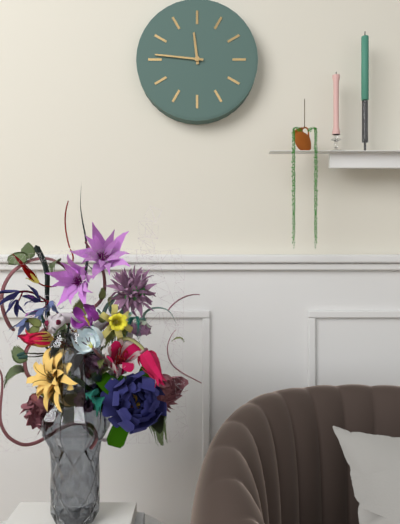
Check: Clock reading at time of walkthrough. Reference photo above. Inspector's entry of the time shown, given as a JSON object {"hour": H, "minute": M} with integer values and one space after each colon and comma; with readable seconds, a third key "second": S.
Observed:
{"hour": 11, "minute": 46}
